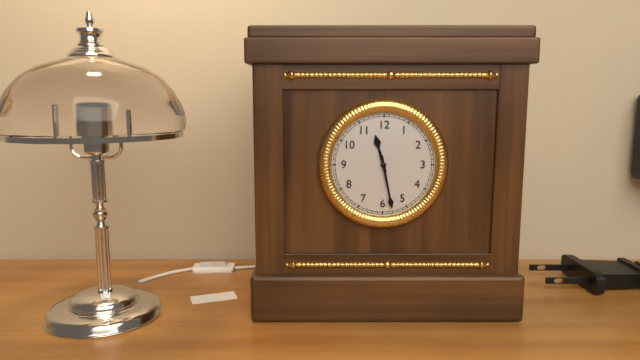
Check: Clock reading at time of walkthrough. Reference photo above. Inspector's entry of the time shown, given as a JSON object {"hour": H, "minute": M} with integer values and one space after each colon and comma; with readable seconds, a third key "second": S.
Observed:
{"hour": 11, "minute": 28}
